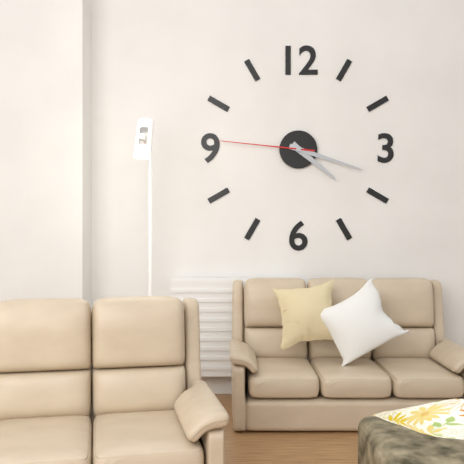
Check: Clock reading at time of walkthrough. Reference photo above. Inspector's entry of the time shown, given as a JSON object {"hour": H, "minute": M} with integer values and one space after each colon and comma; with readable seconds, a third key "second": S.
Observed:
{"hour": 4, "minute": 18, "second": 46}
